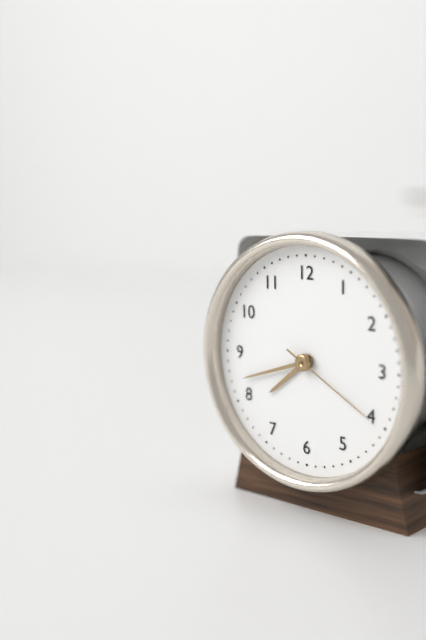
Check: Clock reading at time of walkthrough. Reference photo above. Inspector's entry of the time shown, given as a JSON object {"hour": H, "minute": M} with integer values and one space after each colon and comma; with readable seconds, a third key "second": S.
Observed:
{"hour": 7, "minute": 42, "second": 20}
